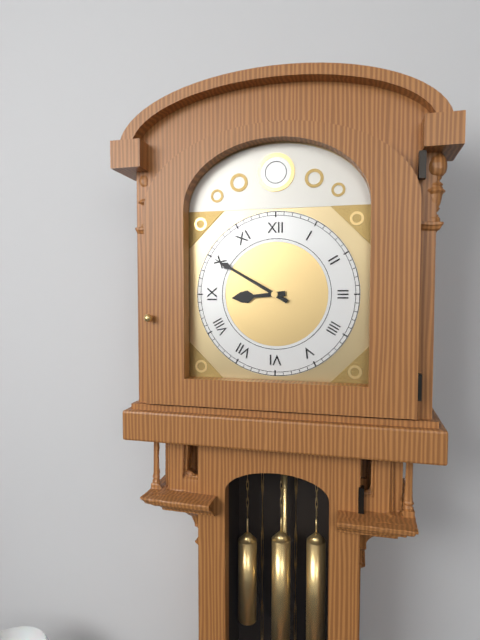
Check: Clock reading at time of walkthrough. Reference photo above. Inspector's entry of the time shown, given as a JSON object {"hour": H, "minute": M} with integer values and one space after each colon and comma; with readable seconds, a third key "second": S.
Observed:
{"hour": 8, "minute": 50}
